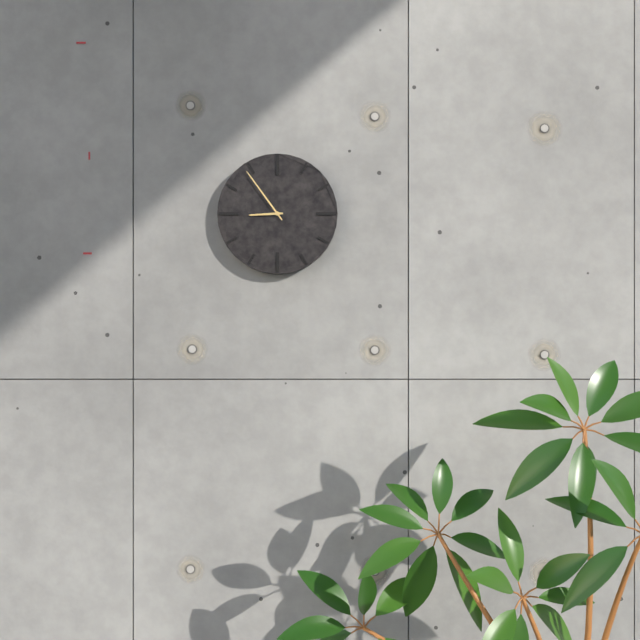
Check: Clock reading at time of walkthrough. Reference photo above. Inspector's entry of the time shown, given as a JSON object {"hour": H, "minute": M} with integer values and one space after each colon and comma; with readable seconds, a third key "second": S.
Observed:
{"hour": 8, "minute": 54}
